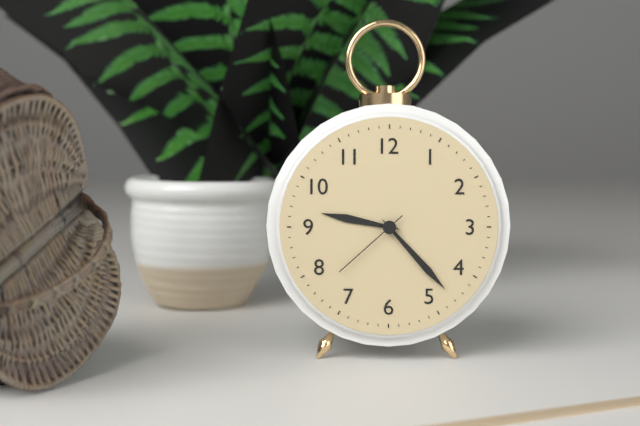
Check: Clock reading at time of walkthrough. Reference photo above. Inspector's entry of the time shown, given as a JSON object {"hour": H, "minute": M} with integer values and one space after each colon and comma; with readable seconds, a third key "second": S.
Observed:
{"hour": 9, "minute": 23, "second": 38}
